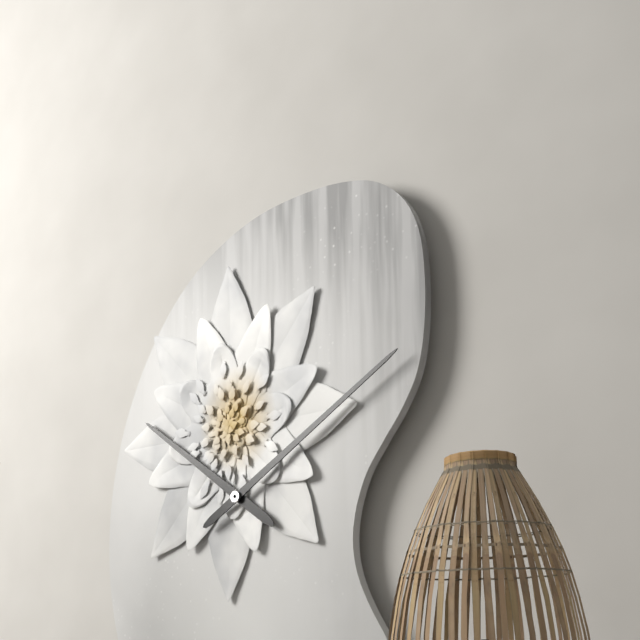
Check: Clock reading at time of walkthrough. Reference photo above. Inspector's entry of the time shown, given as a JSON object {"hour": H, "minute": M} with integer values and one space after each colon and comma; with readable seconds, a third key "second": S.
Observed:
{"hour": 10, "minute": 10}
